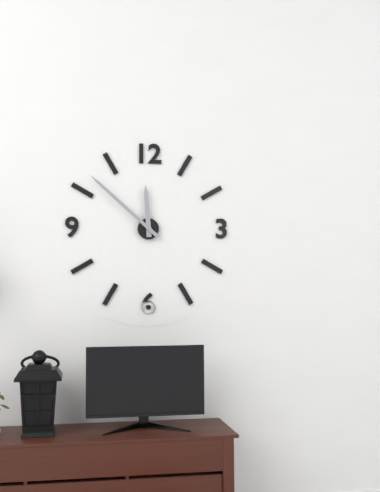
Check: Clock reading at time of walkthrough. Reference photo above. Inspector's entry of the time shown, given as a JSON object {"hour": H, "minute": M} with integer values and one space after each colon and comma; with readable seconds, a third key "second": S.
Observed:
{"hour": 11, "minute": 52}
